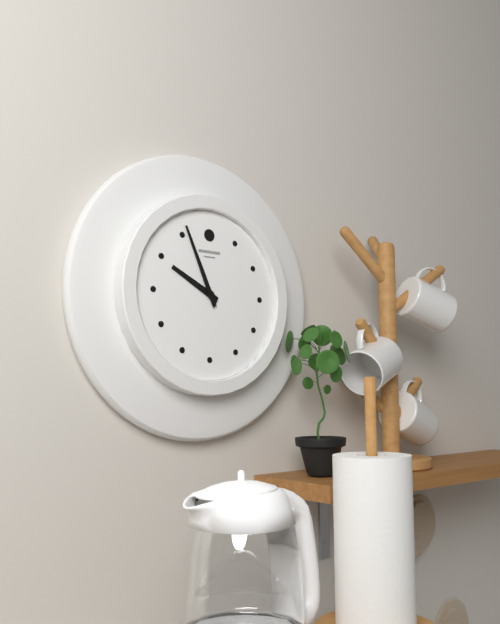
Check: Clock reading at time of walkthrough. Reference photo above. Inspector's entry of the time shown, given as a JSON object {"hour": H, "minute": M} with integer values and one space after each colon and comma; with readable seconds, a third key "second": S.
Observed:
{"hour": 9, "minute": 56}
